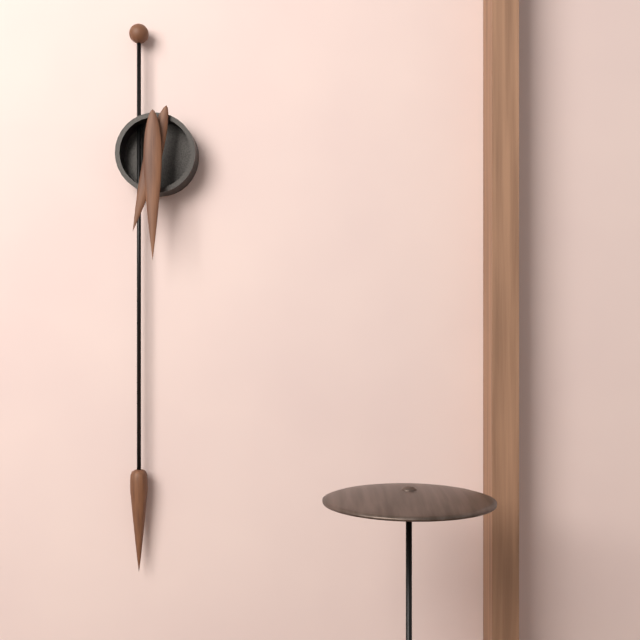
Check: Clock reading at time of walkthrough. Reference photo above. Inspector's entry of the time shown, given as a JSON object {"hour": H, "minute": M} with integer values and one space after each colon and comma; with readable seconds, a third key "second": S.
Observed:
{"hour": 6, "minute": 30}
